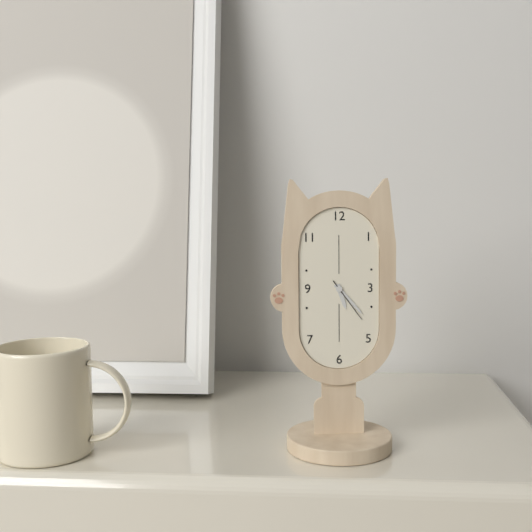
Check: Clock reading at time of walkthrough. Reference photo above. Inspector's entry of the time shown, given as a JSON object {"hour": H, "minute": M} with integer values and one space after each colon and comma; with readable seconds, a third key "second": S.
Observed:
{"hour": 5, "minute": 23}
